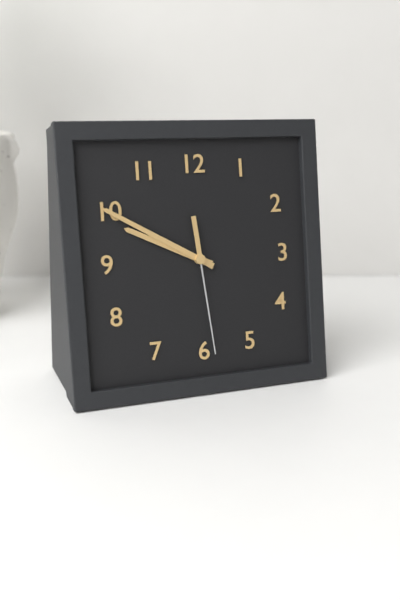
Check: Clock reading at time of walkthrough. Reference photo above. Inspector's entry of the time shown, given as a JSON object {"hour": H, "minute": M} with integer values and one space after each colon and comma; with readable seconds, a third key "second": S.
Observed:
{"hour": 9, "minute": 50, "second": 29}
